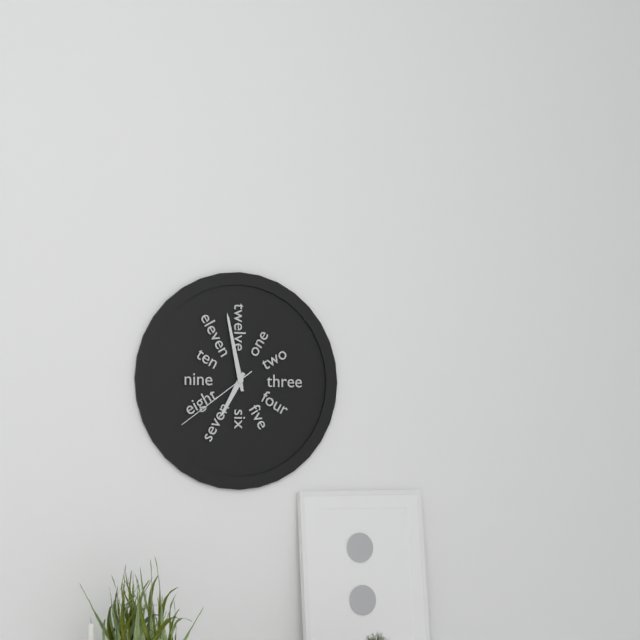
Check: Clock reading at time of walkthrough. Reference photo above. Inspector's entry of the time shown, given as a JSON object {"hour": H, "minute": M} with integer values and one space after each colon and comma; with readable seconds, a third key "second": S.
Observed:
{"hour": 6, "minute": 58, "second": 39}
